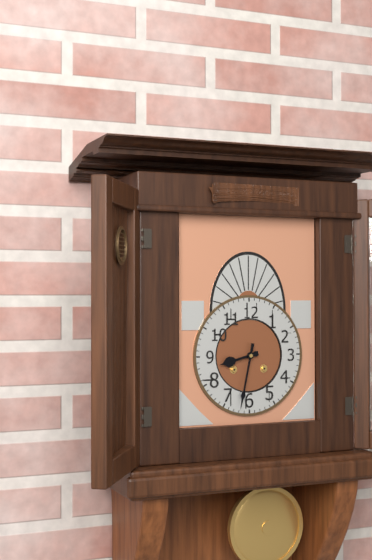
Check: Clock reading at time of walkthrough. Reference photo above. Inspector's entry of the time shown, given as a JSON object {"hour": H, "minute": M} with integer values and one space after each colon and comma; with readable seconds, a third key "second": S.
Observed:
{"hour": 8, "minute": 32}
